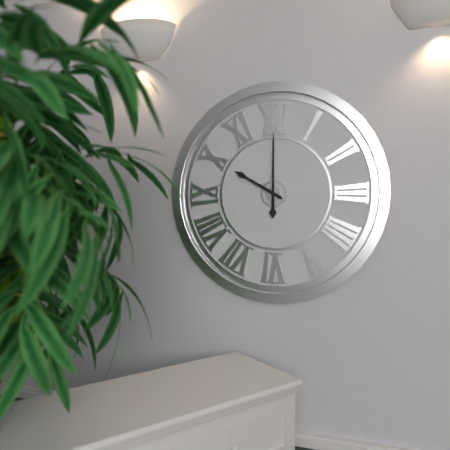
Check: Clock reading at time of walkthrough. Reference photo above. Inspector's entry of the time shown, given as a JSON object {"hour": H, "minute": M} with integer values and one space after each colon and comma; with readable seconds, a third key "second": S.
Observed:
{"hour": 10, "minute": 0}
